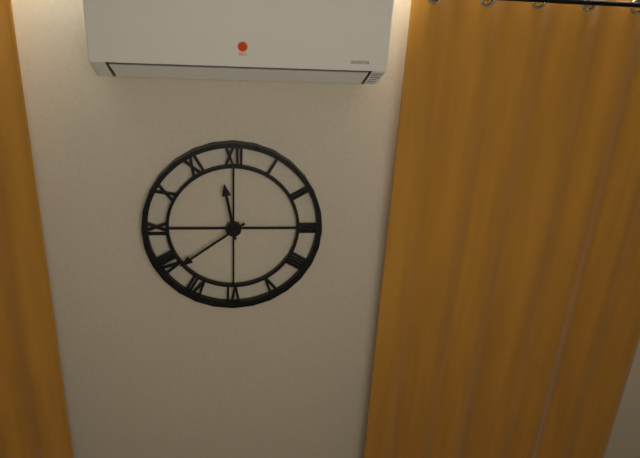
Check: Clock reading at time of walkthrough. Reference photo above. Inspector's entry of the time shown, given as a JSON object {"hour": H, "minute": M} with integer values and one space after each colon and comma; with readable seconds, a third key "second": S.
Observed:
{"hour": 11, "minute": 39}
